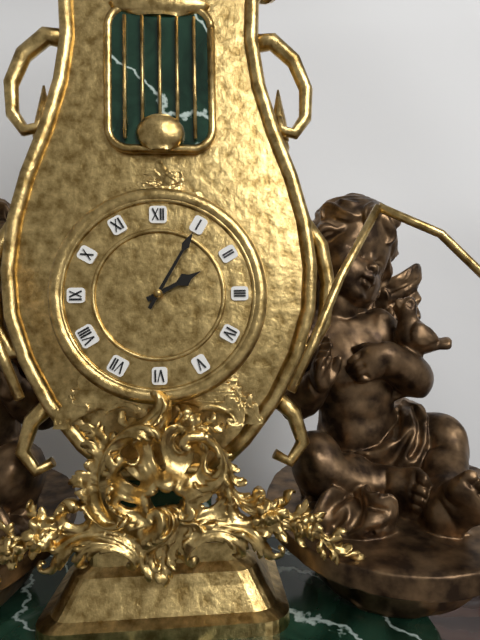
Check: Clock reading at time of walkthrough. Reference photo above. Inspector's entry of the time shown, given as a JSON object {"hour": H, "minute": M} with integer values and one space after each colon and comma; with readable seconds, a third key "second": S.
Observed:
{"hour": 2, "minute": 5}
